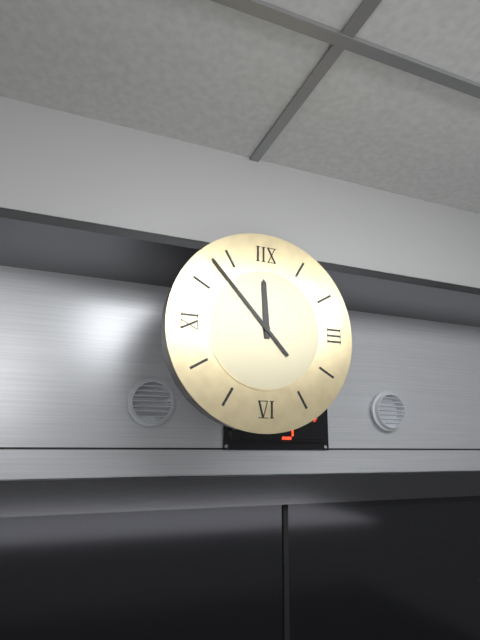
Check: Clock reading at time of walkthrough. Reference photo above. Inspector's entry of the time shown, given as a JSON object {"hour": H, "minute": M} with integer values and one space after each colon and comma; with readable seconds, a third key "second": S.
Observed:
{"hour": 11, "minute": 53}
